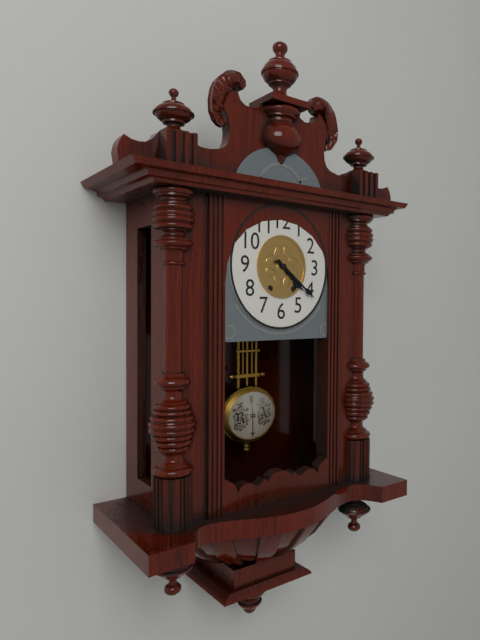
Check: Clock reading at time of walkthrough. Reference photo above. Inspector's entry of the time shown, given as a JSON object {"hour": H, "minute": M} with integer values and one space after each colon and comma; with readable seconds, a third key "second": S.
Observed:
{"hour": 4, "minute": 21}
